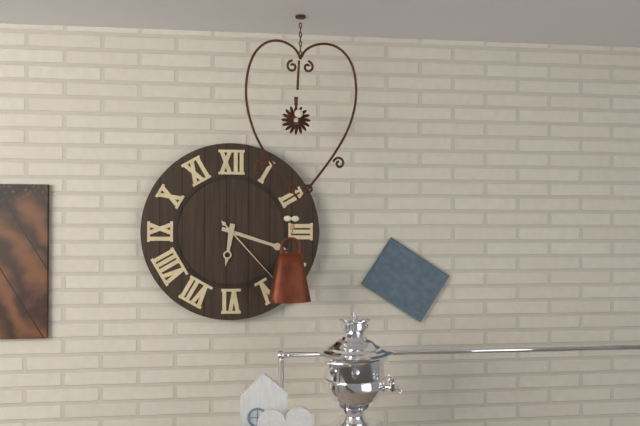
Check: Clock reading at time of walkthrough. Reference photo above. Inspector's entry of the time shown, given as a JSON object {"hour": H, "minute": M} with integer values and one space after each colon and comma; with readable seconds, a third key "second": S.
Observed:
{"hour": 6, "minute": 18, "second": 23}
